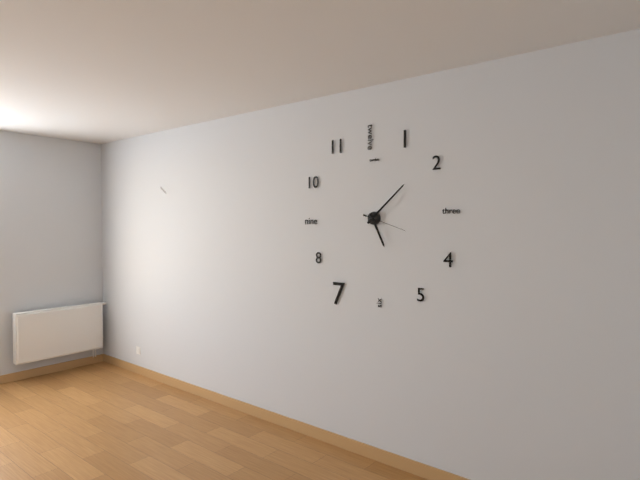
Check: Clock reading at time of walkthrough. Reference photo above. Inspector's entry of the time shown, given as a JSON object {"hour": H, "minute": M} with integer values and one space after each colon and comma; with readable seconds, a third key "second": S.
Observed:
{"hour": 5, "minute": 8}
